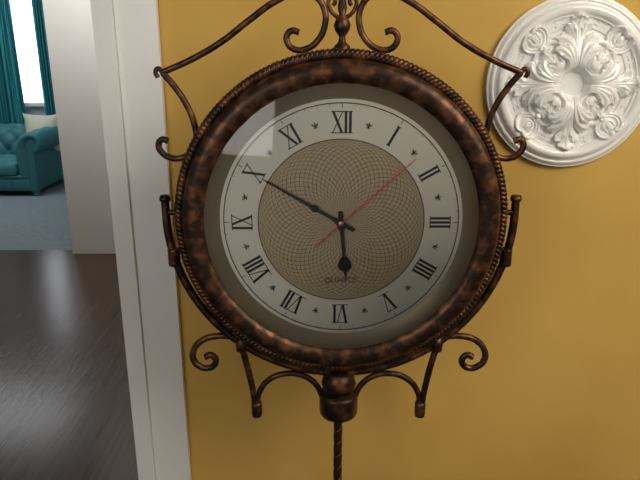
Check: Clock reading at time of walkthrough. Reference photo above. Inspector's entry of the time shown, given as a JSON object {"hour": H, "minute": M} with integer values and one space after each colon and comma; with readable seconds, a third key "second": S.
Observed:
{"hour": 5, "minute": 50, "second": 8}
